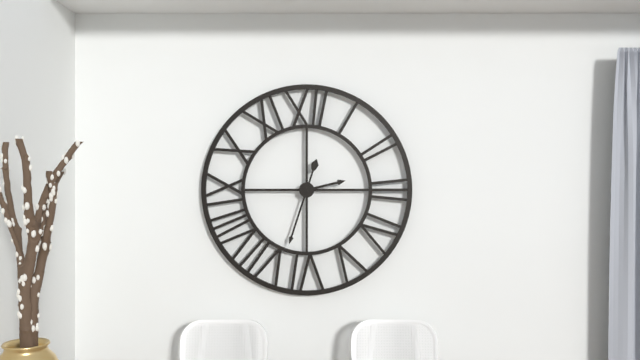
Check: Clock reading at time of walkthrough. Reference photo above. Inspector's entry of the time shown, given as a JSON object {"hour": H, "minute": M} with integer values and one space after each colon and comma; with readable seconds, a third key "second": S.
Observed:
{"hour": 2, "minute": 33}
